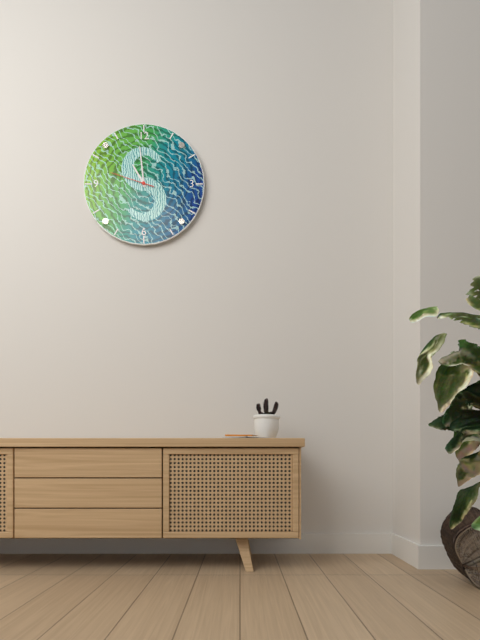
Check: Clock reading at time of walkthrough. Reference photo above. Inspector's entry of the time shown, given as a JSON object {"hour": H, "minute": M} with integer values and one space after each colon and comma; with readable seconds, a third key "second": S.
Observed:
{"hour": 10, "minute": 59}
